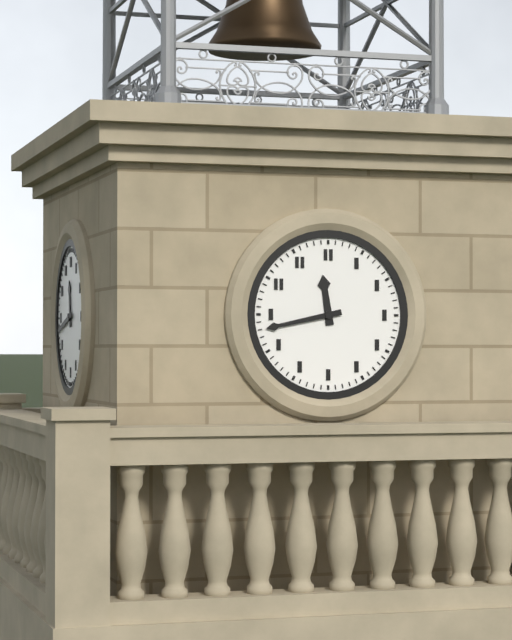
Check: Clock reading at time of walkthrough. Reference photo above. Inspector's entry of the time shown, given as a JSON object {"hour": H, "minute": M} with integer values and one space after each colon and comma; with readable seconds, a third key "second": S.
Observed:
{"hour": 11, "minute": 43}
